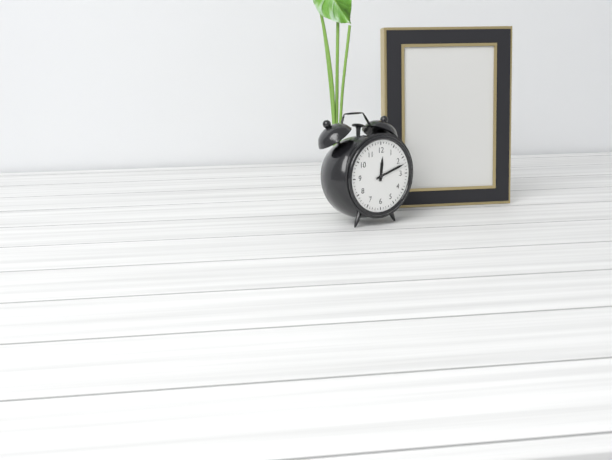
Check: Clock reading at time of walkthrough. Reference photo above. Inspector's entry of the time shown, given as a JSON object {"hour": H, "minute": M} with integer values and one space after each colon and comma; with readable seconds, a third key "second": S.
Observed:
{"hour": 12, "minute": 12}
